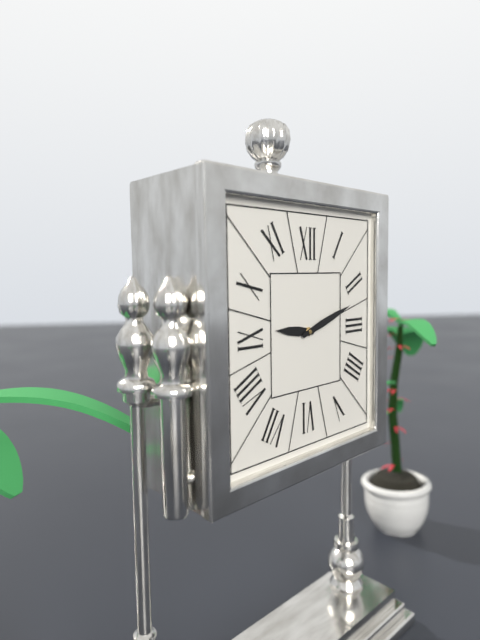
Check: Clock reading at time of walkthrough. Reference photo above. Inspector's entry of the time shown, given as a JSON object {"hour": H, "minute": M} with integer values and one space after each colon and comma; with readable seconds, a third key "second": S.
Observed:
{"hour": 9, "minute": 12}
